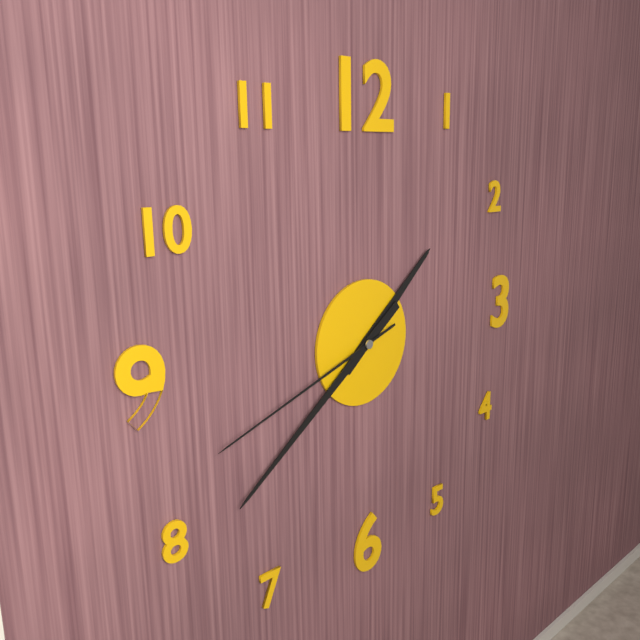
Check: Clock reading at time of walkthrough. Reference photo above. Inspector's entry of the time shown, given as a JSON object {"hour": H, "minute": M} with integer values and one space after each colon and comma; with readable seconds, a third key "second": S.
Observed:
{"hour": 1, "minute": 39, "second": 42}
